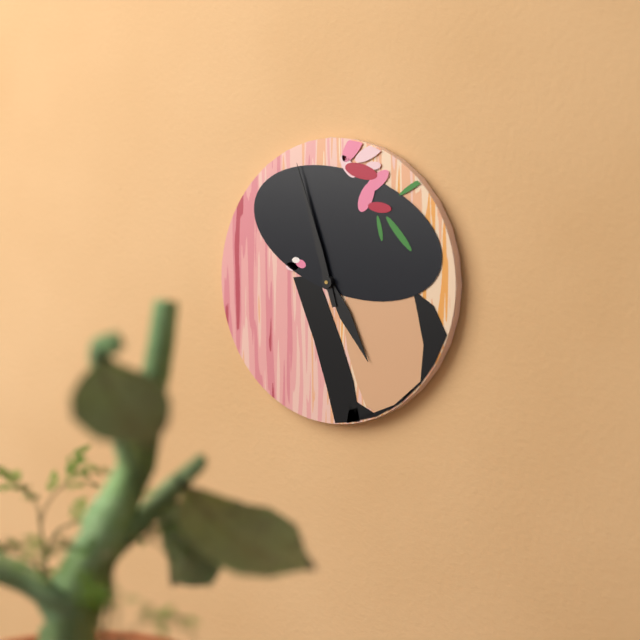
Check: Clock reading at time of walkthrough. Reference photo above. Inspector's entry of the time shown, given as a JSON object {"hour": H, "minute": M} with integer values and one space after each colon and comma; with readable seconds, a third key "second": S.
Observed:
{"hour": 4, "minute": 57}
